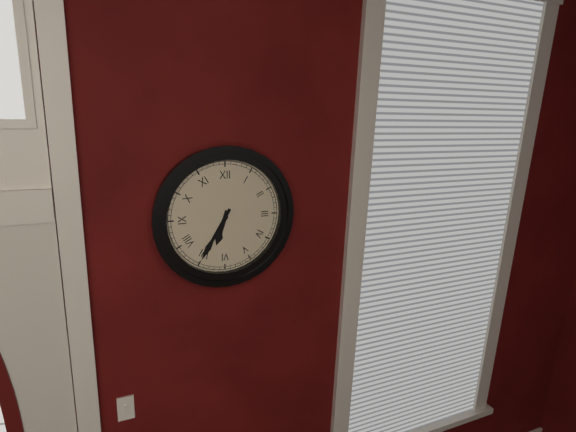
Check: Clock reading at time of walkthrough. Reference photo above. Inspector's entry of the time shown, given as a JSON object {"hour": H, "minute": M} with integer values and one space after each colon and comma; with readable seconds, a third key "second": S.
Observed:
{"hour": 6, "minute": 35}
